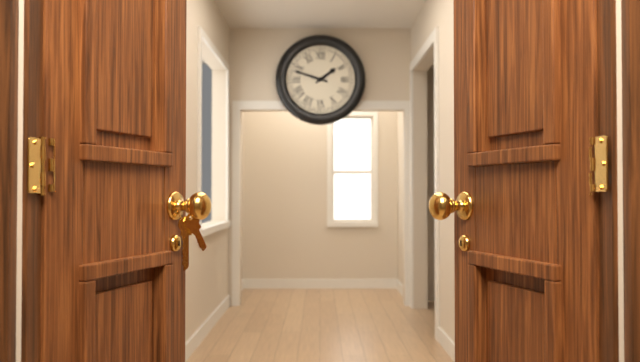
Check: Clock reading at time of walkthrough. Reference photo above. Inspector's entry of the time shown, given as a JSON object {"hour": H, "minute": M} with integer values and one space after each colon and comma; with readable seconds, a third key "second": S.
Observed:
{"hour": 1, "minute": 48}
